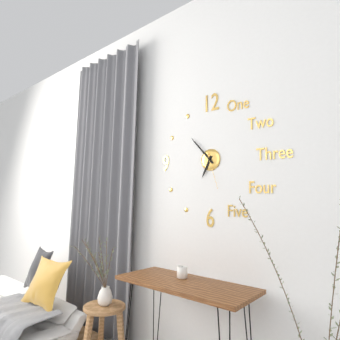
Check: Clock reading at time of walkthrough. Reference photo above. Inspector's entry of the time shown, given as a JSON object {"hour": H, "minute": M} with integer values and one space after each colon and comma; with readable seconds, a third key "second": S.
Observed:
{"hour": 6, "minute": 53}
